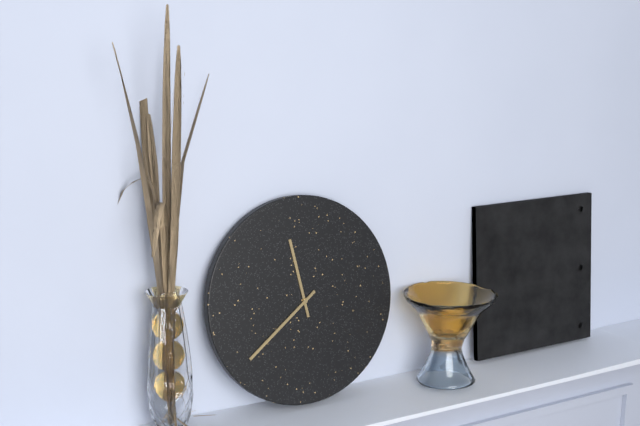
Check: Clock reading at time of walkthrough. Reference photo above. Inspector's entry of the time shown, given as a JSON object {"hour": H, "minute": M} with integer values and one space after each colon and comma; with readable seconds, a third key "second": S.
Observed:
{"hour": 11, "minute": 39}
